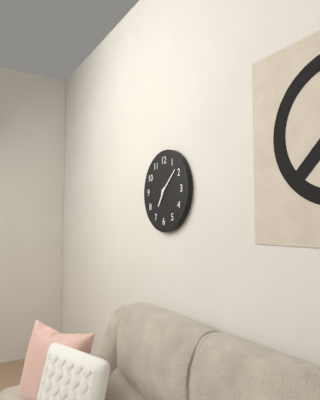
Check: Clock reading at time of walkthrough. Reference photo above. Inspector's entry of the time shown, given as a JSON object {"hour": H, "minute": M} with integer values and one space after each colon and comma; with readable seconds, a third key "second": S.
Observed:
{"hour": 7, "minute": 8}
